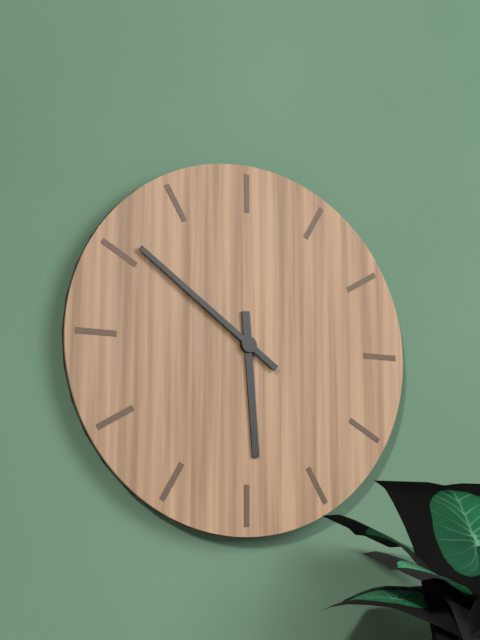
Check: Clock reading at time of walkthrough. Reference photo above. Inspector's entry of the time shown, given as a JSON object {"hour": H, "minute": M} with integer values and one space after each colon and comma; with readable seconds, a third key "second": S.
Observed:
{"hour": 5, "minute": 51}
